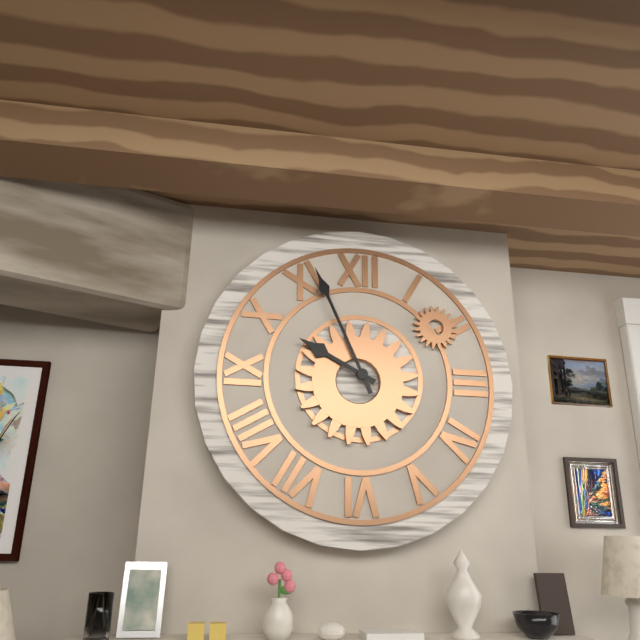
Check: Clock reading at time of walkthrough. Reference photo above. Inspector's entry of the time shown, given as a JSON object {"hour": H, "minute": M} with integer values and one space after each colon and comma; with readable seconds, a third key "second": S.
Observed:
{"hour": 9, "minute": 56}
